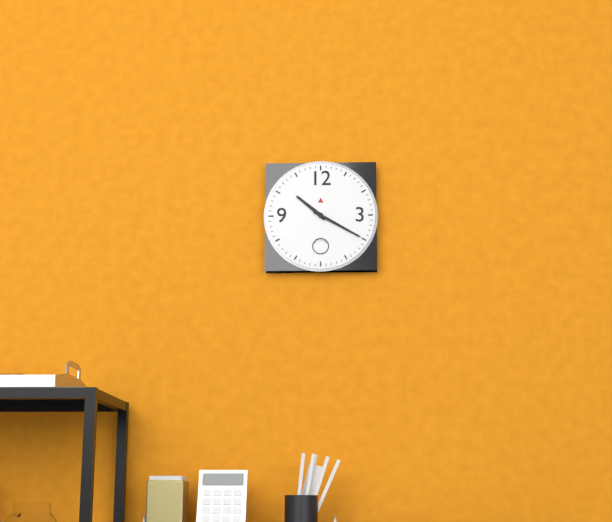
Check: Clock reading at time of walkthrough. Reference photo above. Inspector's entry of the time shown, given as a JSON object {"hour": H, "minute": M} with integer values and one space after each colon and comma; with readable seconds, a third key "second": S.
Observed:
{"hour": 10, "minute": 20}
